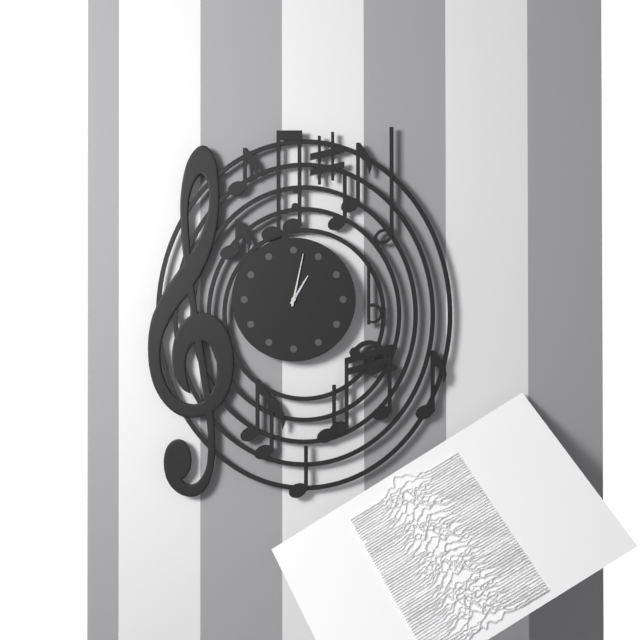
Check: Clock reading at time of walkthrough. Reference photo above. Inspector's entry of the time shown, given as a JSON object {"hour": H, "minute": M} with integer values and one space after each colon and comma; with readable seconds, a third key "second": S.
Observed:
{"hour": 1, "minute": 2}
